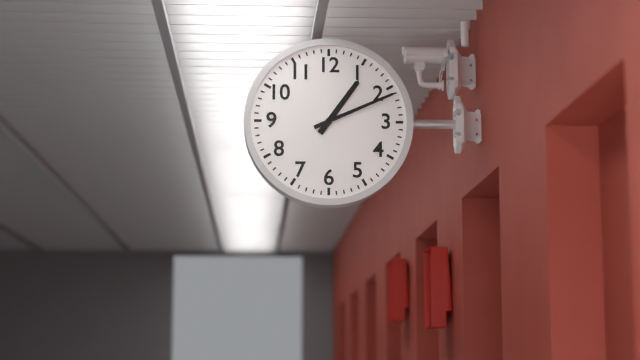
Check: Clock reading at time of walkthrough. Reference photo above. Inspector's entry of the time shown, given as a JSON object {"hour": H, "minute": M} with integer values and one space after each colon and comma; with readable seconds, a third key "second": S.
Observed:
{"hour": 1, "minute": 11}
